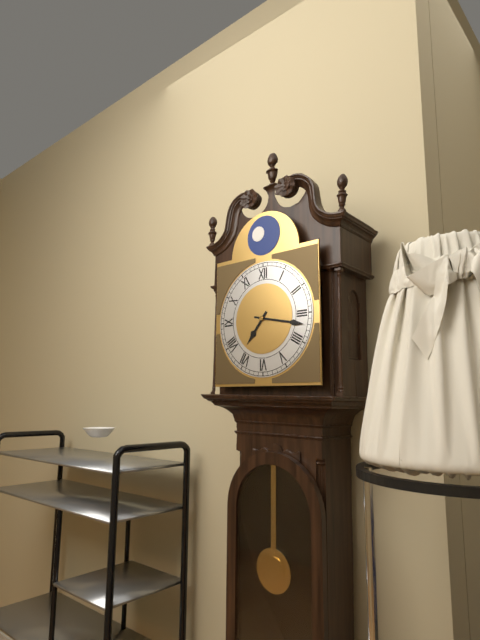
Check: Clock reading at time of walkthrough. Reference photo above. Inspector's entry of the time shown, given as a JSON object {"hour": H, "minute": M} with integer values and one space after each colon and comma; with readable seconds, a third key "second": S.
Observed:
{"hour": 7, "minute": 17}
